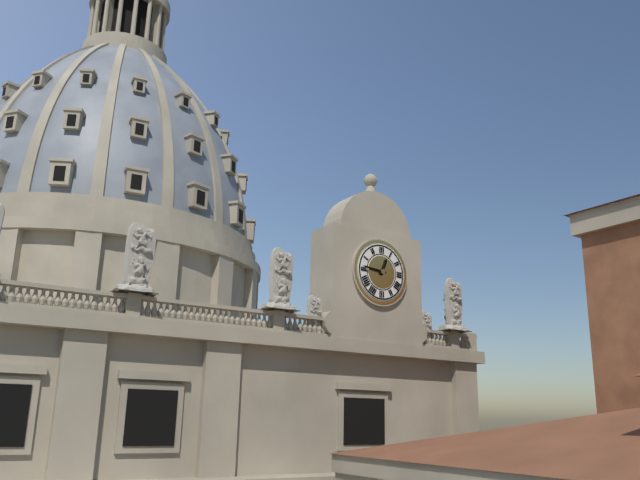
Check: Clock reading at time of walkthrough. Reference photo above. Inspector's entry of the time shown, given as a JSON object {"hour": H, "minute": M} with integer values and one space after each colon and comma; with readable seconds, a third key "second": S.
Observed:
{"hour": 12, "minute": 46}
